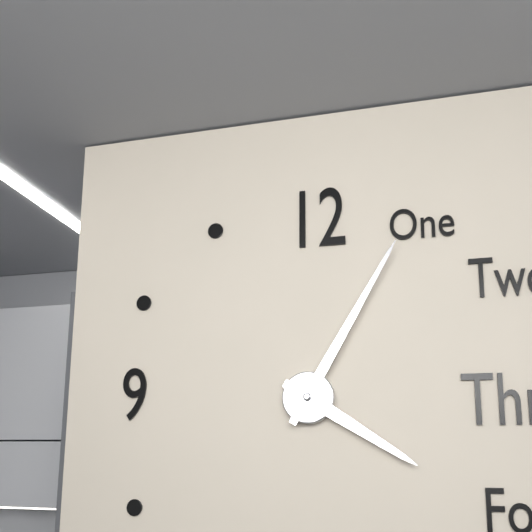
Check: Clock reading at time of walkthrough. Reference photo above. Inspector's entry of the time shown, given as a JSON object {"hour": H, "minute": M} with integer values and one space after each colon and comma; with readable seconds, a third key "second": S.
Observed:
{"hour": 4, "minute": 5}
